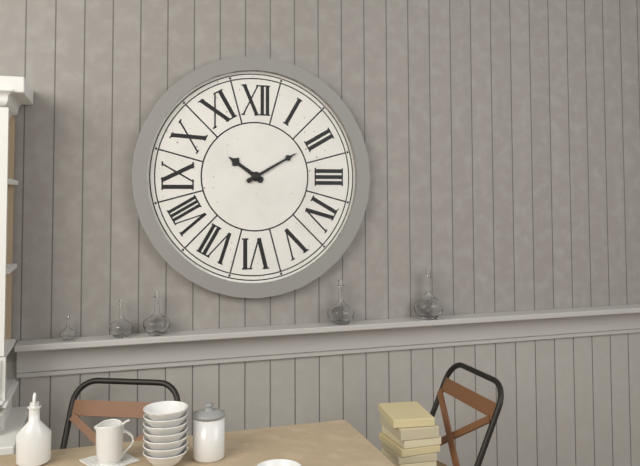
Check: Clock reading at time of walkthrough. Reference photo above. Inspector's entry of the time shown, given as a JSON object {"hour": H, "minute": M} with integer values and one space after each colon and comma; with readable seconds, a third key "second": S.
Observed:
{"hour": 10, "minute": 10}
